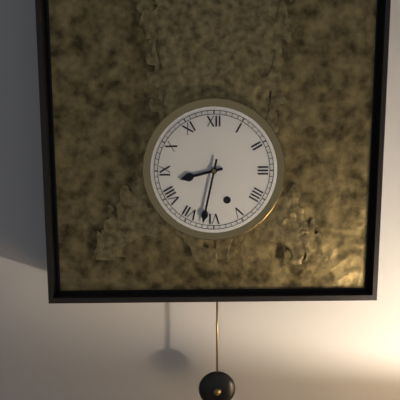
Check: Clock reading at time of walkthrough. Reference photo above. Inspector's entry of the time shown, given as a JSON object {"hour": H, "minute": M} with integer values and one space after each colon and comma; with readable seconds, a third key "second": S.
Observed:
{"hour": 8, "minute": 32}
